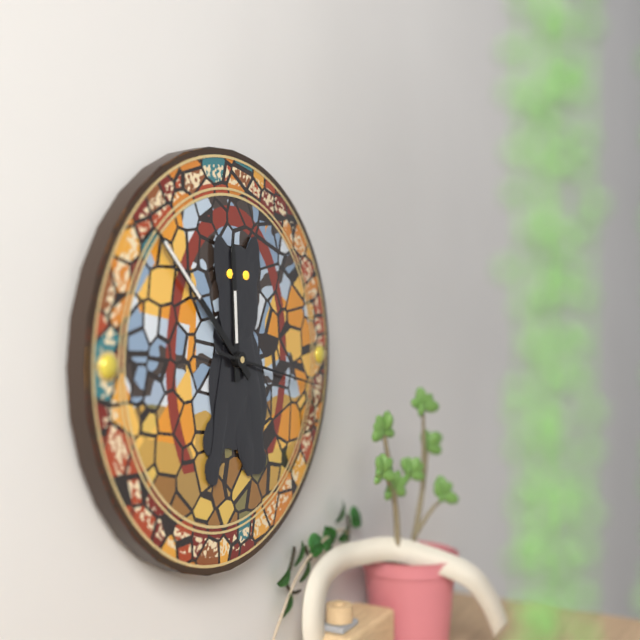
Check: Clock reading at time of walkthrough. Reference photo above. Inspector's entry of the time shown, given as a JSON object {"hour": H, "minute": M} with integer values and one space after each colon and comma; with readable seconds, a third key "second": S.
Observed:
{"hour": 11, "minute": 52, "second": 17}
